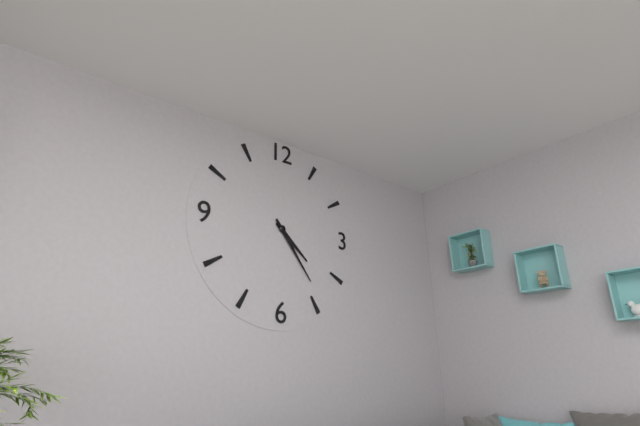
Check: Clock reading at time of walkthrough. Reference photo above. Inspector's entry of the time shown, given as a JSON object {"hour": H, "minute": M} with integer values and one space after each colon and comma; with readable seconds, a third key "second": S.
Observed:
{"hour": 4, "minute": 24}
